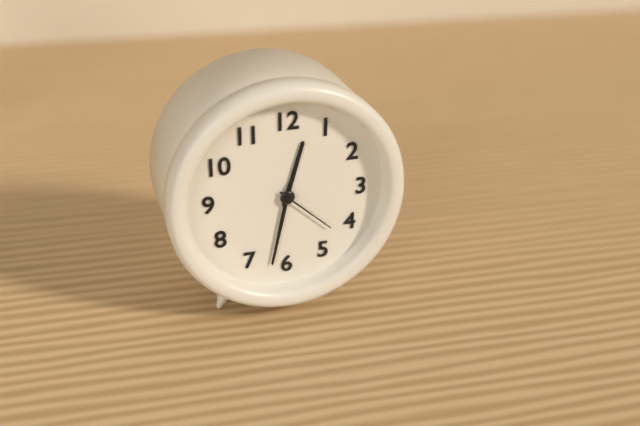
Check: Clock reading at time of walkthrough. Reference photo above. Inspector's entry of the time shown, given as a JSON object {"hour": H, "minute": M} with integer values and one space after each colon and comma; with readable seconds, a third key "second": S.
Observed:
{"hour": 12, "minute": 32, "second": 22}
